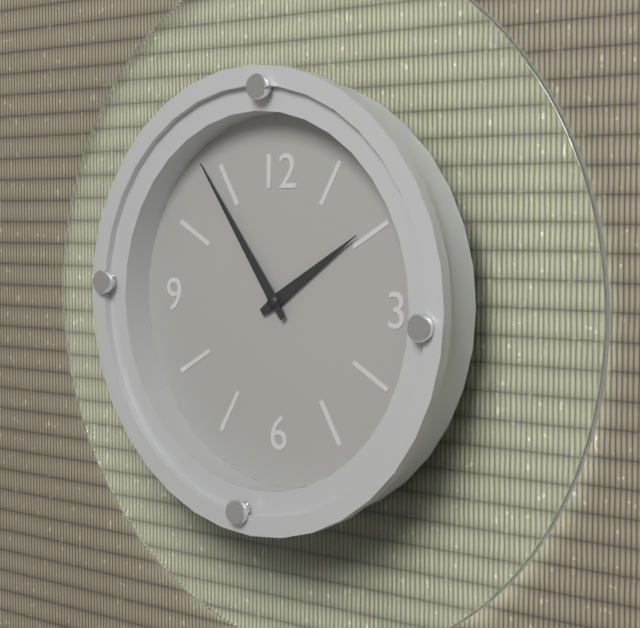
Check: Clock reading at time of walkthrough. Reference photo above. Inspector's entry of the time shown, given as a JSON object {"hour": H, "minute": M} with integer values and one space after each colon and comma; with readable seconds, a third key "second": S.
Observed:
{"hour": 1, "minute": 54}
